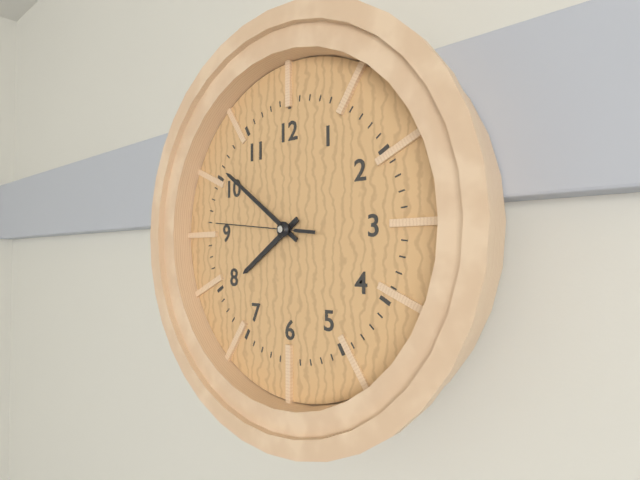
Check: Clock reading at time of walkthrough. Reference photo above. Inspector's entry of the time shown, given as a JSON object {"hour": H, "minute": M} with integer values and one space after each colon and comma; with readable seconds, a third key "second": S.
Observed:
{"hour": 7, "minute": 51, "second": 46}
